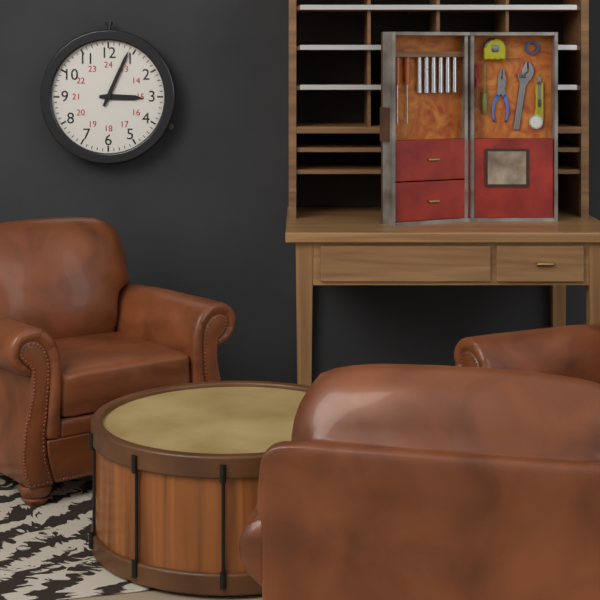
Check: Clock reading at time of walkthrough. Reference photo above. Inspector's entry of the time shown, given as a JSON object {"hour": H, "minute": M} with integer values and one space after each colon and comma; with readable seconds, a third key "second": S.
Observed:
{"hour": 3, "minute": 4}
